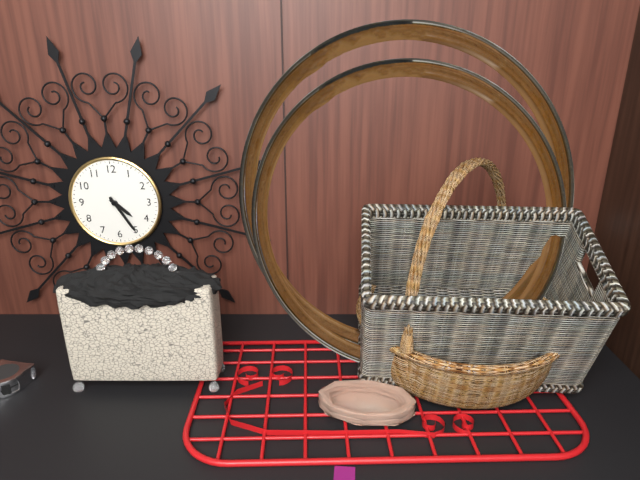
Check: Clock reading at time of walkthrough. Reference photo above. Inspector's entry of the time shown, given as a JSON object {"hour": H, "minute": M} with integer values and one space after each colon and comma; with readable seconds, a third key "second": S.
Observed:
{"hour": 4, "minute": 25}
